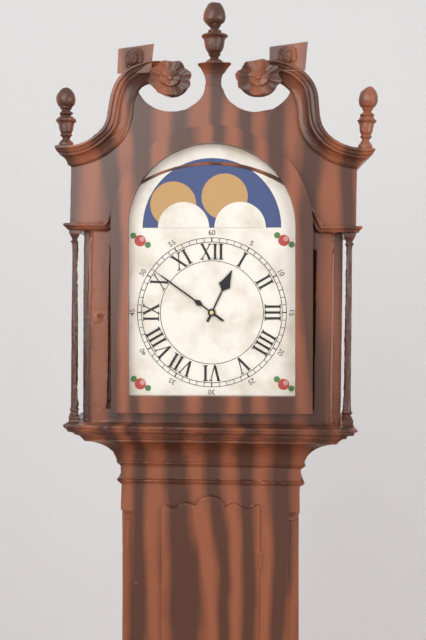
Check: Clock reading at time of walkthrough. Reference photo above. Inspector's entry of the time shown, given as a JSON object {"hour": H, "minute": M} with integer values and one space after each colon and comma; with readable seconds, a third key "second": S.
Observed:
{"hour": 12, "minute": 51}
